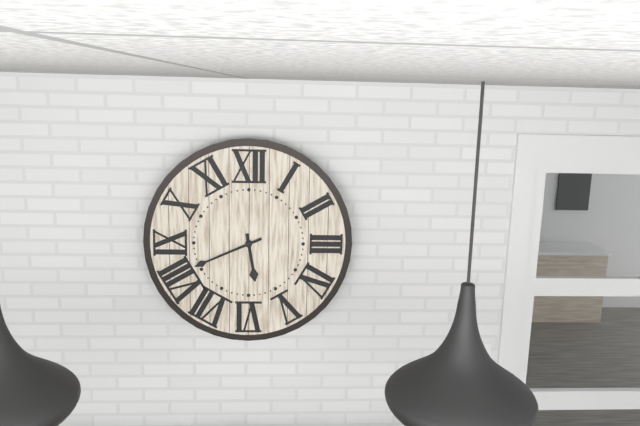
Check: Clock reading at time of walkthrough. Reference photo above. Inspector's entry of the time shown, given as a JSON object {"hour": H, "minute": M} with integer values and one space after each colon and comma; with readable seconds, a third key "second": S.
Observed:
{"hour": 5, "minute": 41}
